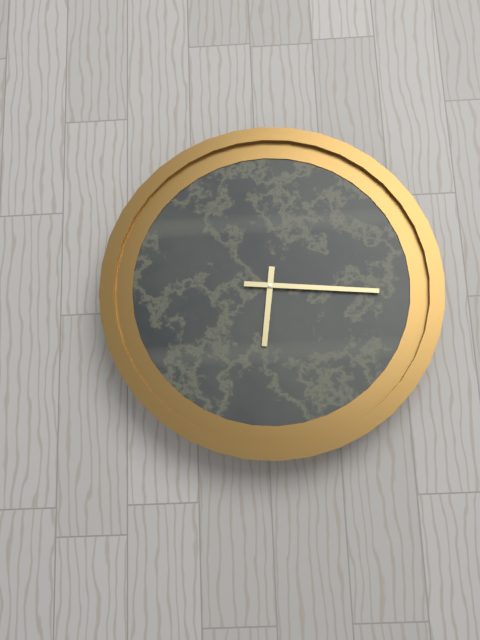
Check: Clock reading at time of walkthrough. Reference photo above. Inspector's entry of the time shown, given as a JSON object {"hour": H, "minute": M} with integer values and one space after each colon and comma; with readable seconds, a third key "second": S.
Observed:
{"hour": 6, "minute": 16}
